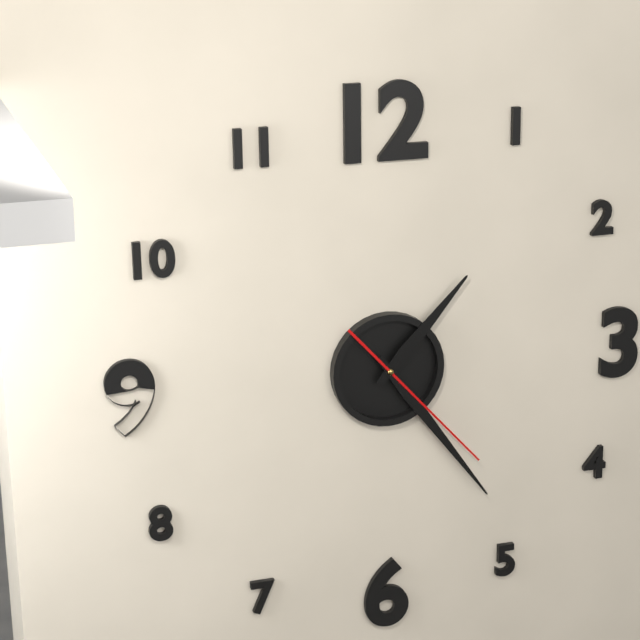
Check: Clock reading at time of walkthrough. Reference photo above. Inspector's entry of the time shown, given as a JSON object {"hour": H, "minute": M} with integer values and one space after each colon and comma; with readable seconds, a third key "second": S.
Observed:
{"hour": 1, "minute": 24, "second": 23}
